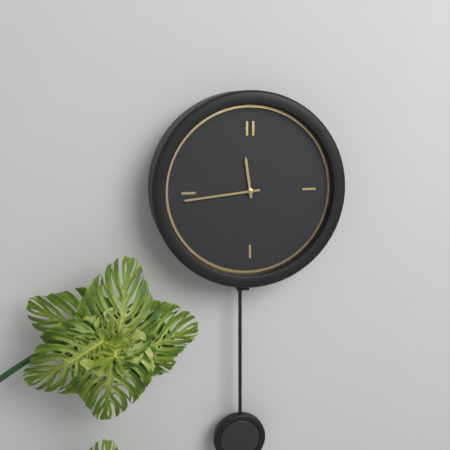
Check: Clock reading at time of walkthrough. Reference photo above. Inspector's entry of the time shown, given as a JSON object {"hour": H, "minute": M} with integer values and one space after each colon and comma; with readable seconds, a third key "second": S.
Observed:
{"hour": 11, "minute": 44}
